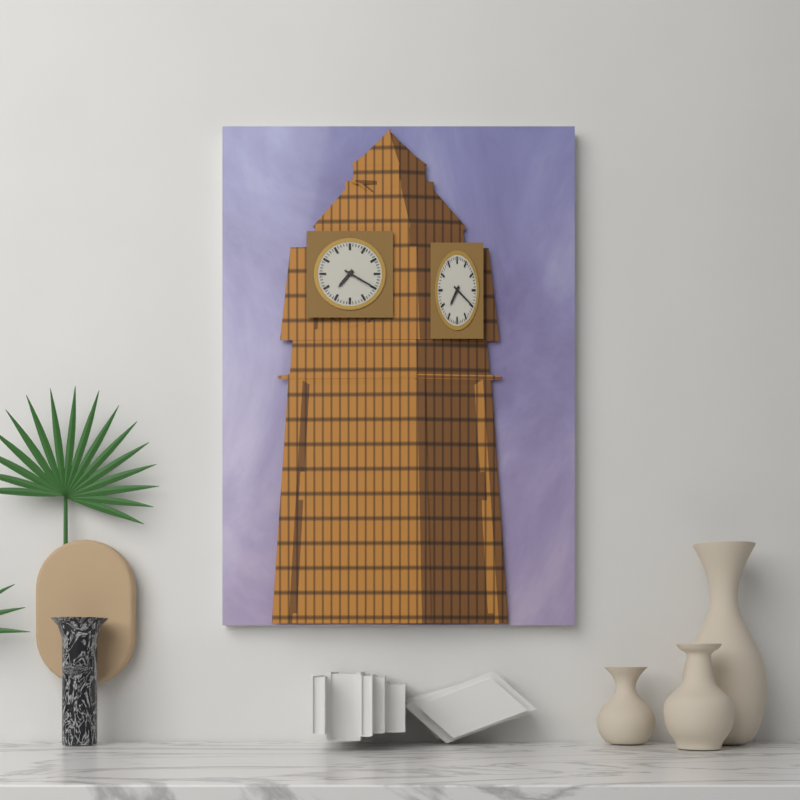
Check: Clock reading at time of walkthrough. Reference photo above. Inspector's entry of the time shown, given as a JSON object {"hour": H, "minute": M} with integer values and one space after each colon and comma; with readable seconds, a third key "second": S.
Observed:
{"hour": 7, "minute": 20}
